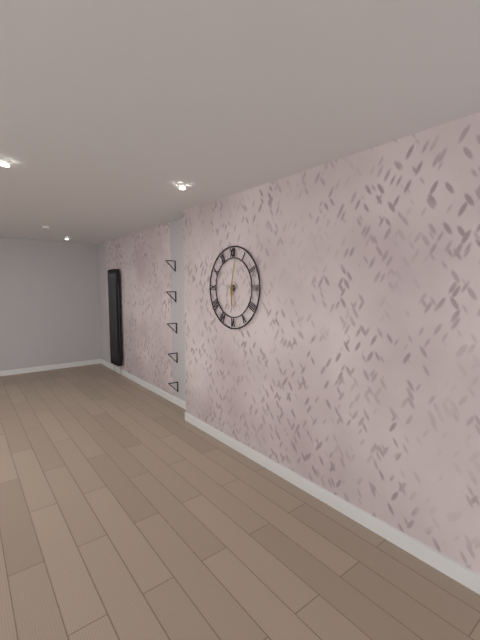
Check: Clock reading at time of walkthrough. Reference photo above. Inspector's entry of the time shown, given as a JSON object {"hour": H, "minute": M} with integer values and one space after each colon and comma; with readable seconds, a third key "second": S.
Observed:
{"hour": 6, "minute": 2}
